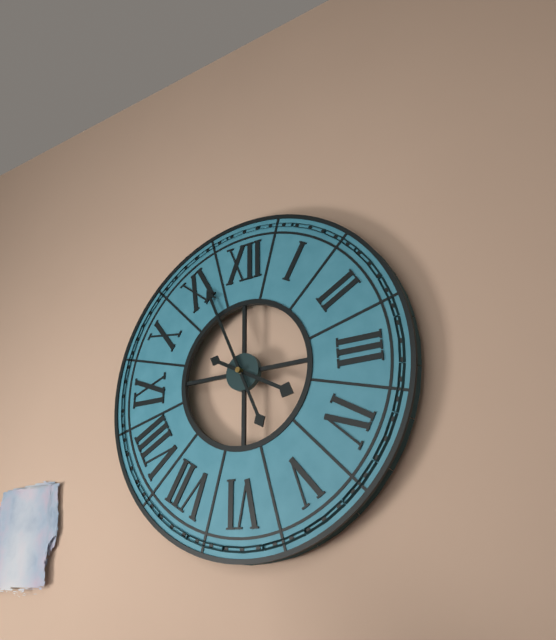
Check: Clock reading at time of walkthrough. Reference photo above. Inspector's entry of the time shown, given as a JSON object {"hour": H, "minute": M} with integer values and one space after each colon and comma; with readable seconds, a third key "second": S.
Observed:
{"hour": 3, "minute": 56}
